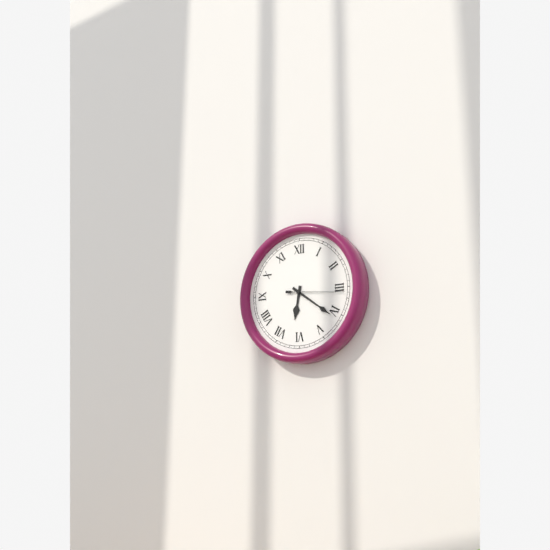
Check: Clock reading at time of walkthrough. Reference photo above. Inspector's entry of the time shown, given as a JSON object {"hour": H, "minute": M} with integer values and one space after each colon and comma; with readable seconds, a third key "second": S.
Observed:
{"hour": 6, "minute": 21, "second": 16}
